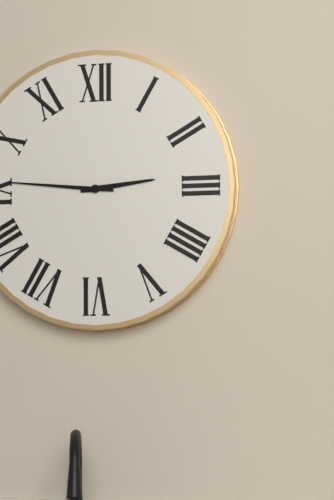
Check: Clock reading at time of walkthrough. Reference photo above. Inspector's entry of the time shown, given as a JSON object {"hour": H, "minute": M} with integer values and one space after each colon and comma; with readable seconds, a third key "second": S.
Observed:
{"hour": 2, "minute": 46}
